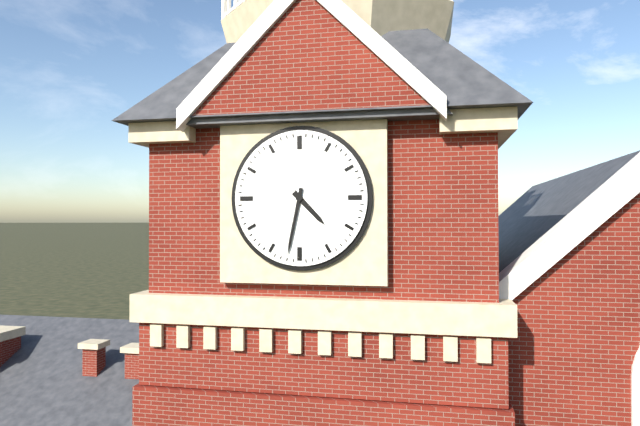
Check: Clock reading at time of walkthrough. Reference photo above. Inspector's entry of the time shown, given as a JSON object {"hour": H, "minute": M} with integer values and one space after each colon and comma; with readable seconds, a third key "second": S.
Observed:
{"hour": 4, "minute": 32}
